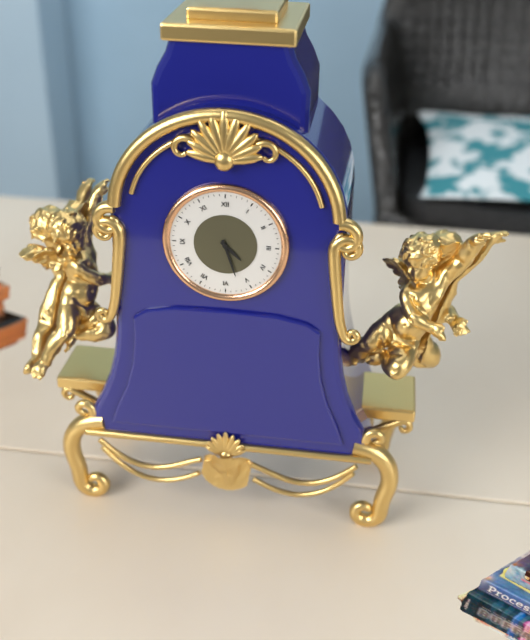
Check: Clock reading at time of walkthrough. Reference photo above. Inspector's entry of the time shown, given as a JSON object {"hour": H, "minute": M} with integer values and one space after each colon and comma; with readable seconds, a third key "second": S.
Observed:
{"hour": 4, "minute": 27}
